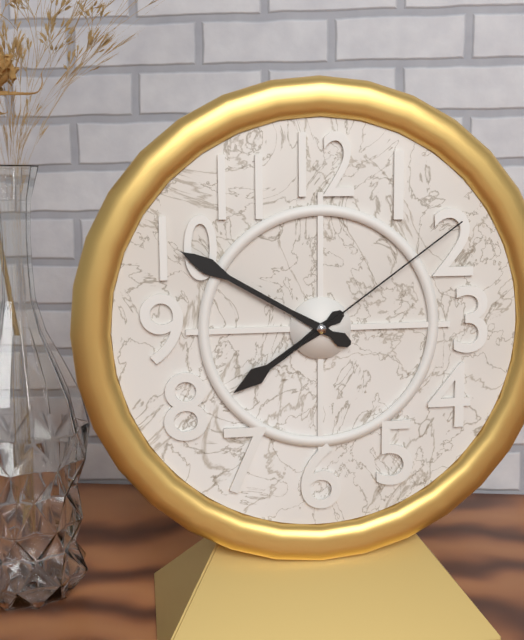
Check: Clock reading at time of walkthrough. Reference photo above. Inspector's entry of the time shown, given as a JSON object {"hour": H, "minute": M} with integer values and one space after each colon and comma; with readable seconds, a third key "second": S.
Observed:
{"hour": 7, "minute": 50, "second": 9}
